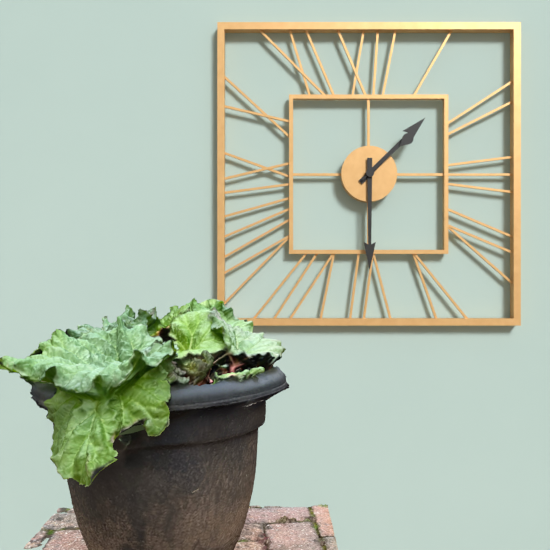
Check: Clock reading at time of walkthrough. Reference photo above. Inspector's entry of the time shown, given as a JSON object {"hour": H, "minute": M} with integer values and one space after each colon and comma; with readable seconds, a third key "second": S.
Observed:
{"hour": 1, "minute": 30, "second": 8}
